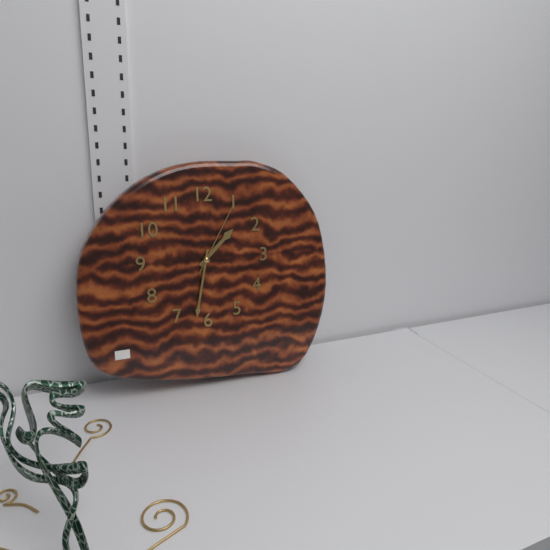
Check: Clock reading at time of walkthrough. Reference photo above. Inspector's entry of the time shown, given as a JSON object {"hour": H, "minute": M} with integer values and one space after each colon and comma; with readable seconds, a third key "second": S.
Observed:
{"hour": 1, "minute": 32, "second": 5}
